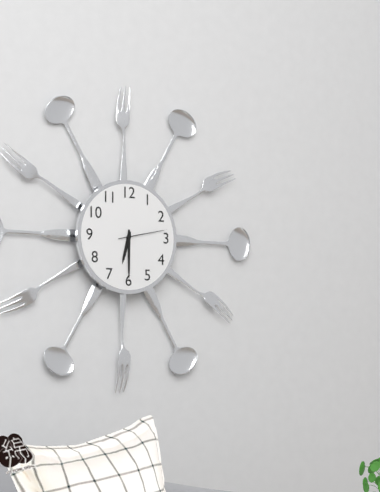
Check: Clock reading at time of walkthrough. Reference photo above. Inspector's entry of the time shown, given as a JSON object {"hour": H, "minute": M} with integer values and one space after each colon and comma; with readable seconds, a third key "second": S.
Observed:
{"hour": 6, "minute": 30}
